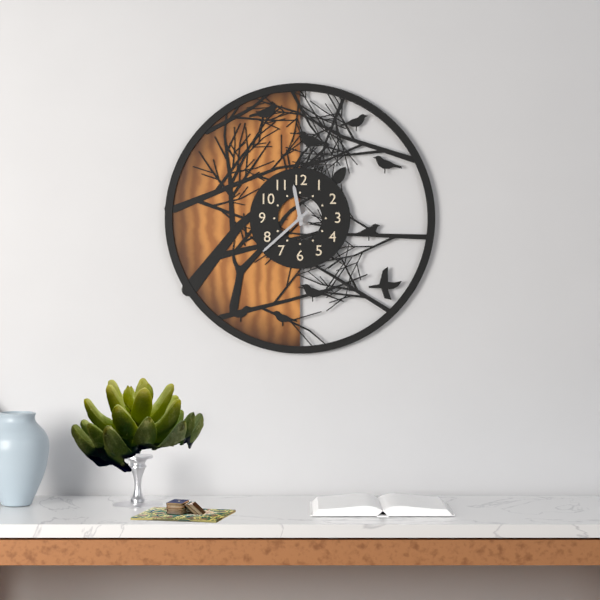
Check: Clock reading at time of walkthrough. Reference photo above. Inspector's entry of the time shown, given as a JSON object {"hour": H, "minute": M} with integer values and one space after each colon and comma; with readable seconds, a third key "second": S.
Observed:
{"hour": 11, "minute": 38}
